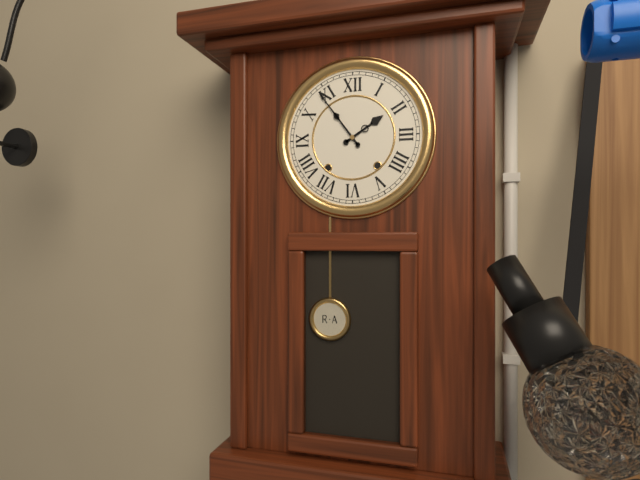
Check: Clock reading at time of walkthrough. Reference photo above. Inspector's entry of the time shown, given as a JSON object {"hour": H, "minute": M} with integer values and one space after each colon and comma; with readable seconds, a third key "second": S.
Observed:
{"hour": 1, "minute": 54}
